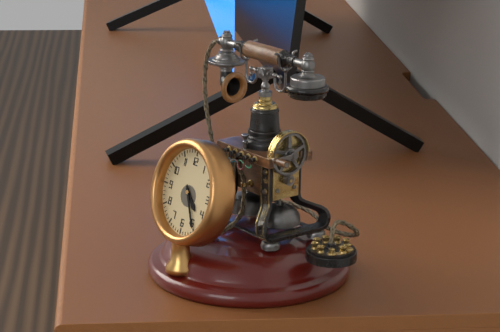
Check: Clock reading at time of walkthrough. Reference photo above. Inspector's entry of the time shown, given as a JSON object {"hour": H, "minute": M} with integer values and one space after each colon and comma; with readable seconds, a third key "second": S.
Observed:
{"hour": 4, "minute": 25}
